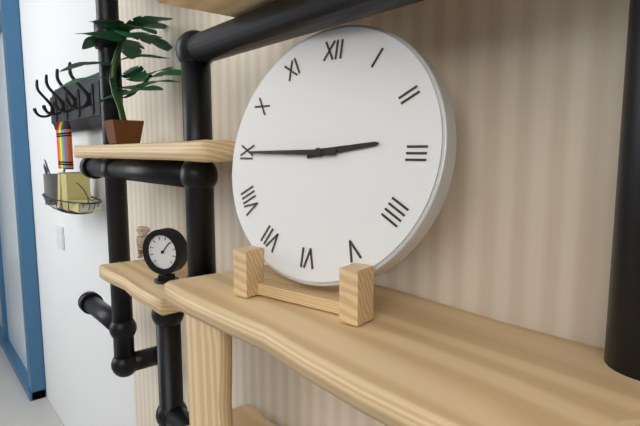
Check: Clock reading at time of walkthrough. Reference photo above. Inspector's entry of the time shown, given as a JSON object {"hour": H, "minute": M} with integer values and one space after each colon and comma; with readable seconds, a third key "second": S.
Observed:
{"hour": 2, "minute": 45}
